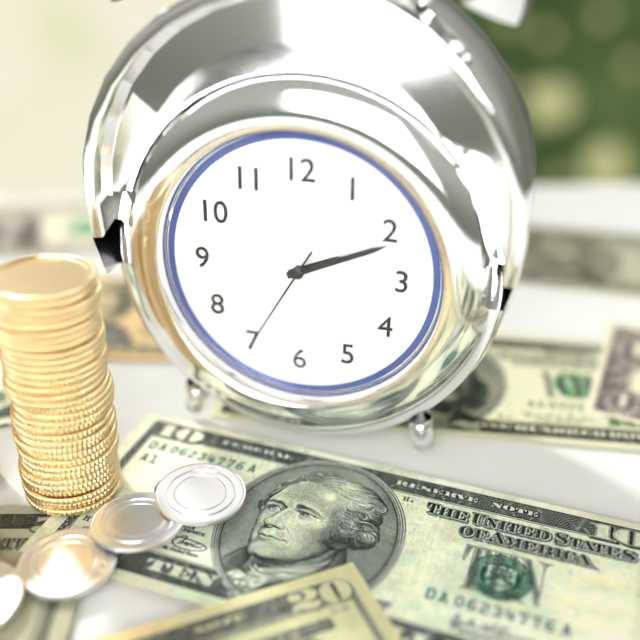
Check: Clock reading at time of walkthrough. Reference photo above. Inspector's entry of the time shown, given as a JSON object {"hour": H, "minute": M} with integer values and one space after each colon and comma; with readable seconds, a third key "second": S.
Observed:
{"hour": 2, "minute": 11, "second": 35}
